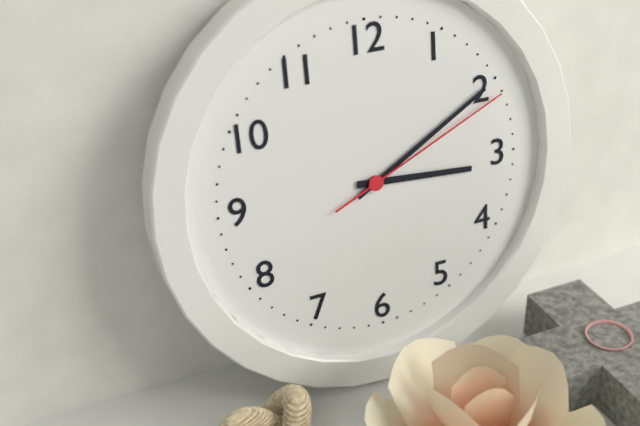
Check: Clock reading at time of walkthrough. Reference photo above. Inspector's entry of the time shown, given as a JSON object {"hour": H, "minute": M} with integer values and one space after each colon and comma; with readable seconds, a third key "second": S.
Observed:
{"hour": 3, "minute": 10, "second": 11}
